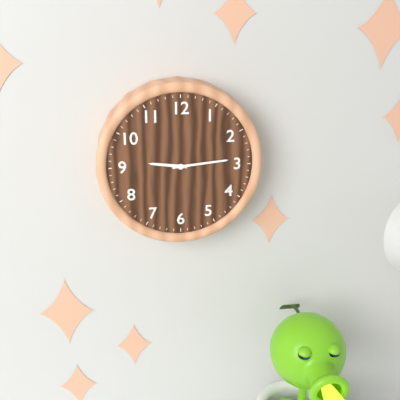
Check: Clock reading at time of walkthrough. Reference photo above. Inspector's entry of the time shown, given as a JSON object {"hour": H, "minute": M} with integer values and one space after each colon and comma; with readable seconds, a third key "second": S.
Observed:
{"hour": 9, "minute": 14}
